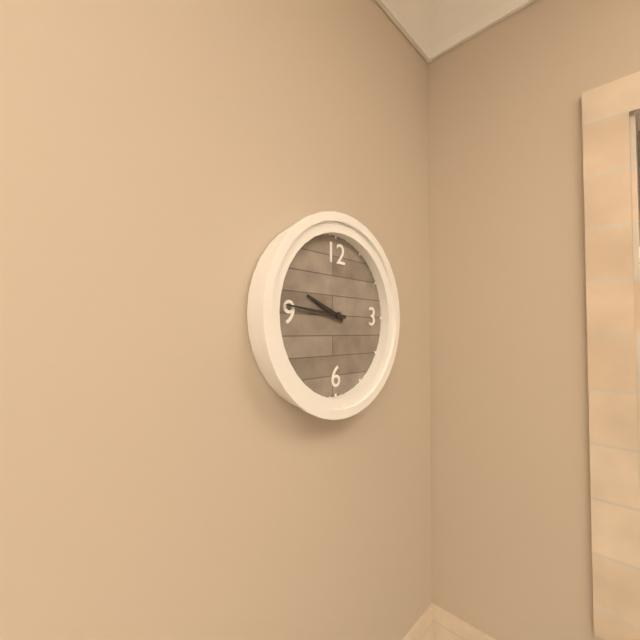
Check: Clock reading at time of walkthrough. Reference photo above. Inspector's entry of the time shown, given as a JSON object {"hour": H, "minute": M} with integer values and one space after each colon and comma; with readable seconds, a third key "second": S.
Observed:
{"hour": 9, "minute": 46}
